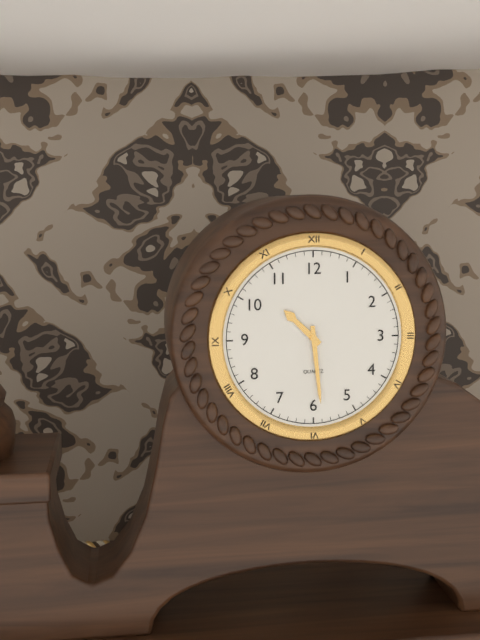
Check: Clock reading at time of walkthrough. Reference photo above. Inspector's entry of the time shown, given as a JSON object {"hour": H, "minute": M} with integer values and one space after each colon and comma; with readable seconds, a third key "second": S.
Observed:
{"hour": 10, "minute": 29}
